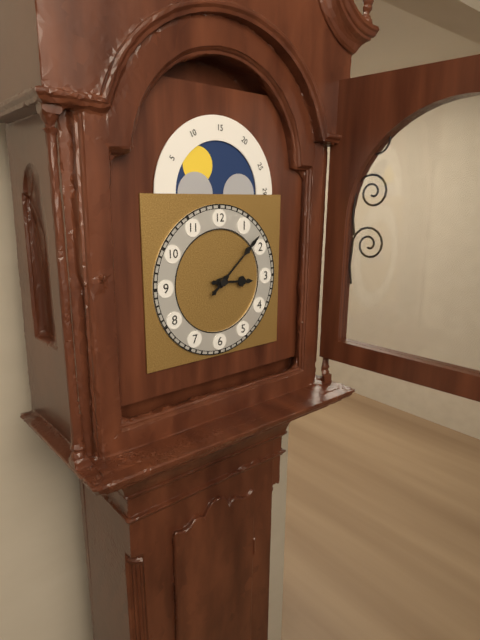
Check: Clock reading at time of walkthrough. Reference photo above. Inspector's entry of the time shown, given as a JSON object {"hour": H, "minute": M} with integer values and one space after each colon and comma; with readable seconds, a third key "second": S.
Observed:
{"hour": 3, "minute": 8}
